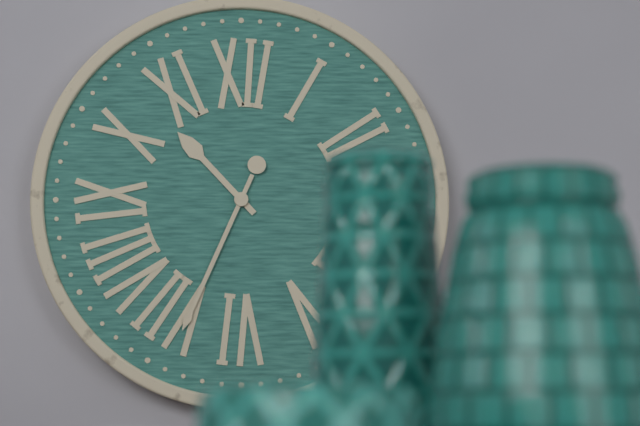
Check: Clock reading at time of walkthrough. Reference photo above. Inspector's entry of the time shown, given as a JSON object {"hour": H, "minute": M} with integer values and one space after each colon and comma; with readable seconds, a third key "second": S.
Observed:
{"hour": 10, "minute": 34}
